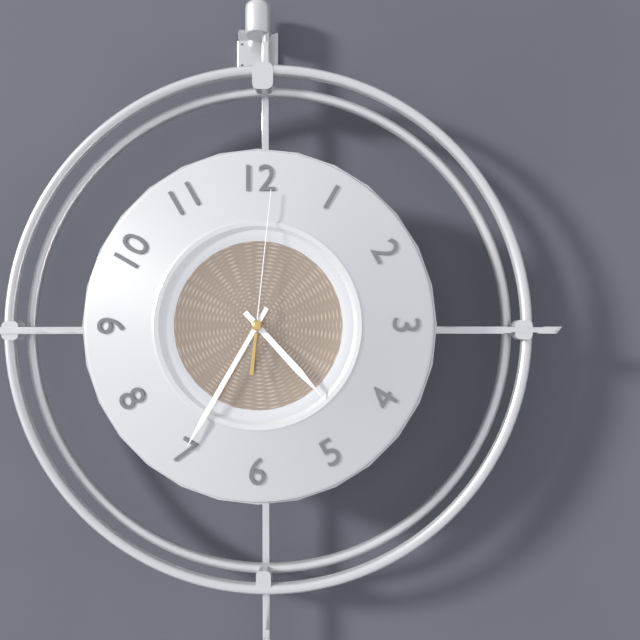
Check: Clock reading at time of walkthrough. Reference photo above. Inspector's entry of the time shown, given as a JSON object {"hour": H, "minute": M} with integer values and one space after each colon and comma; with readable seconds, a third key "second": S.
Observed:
{"hour": 4, "minute": 35, "second": 1}
